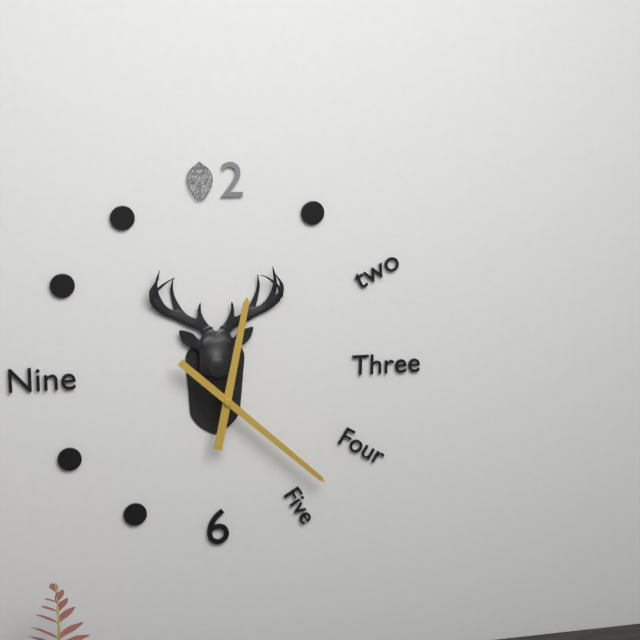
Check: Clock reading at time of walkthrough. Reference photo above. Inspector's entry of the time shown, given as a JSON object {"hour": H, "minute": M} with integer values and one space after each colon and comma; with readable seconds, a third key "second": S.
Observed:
{"hour": 12, "minute": 22}
